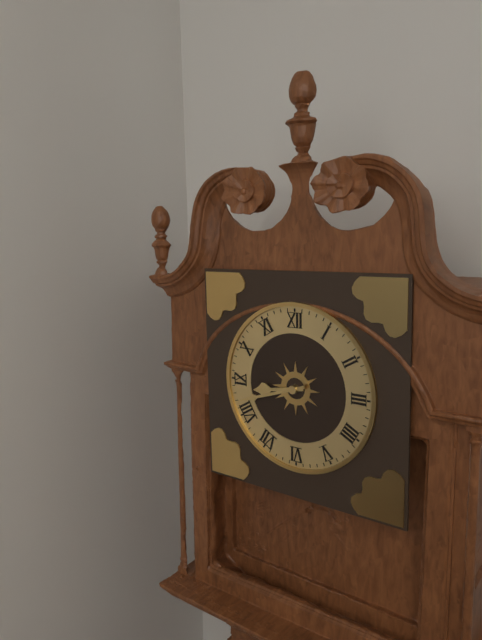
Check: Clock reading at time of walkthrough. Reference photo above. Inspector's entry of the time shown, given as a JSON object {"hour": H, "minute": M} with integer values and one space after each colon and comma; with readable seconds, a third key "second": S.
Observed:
{"hour": 8, "minute": 42}
